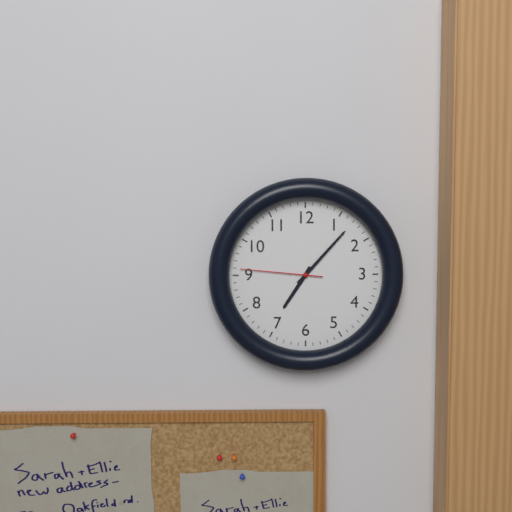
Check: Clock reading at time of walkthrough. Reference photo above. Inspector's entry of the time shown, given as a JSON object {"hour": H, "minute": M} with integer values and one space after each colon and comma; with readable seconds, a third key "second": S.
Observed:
{"hour": 7, "minute": 7, "second": 46}
